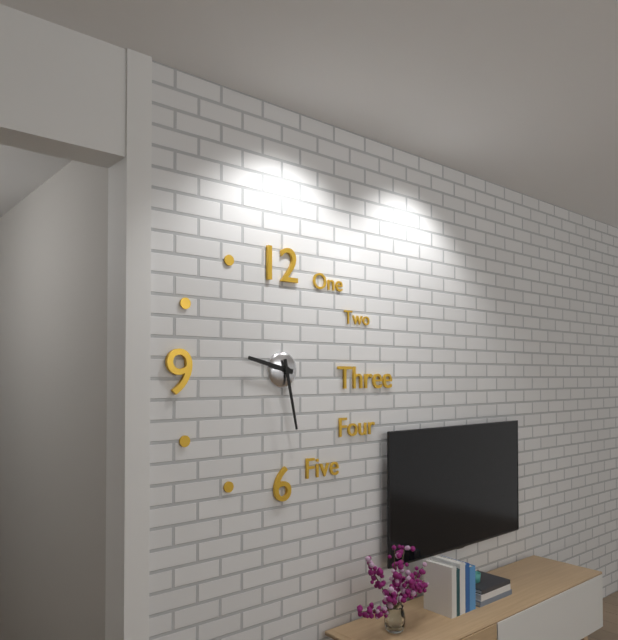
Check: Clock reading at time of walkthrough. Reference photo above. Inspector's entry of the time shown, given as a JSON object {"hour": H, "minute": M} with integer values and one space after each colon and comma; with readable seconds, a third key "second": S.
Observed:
{"hour": 9, "minute": 28}
